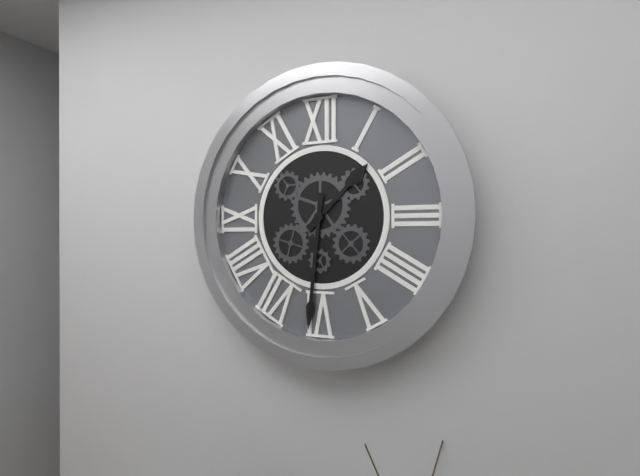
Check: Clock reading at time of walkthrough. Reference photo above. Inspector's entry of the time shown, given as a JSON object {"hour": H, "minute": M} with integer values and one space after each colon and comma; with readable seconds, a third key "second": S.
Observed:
{"hour": 1, "minute": 31}
